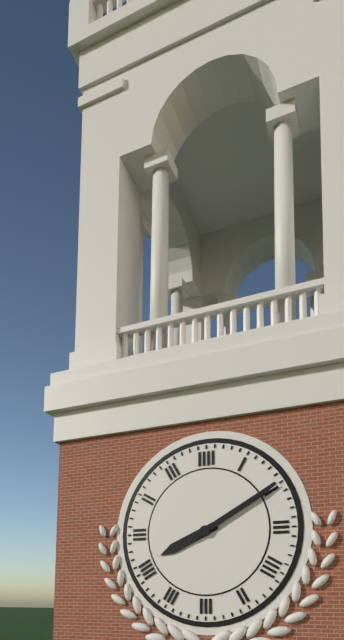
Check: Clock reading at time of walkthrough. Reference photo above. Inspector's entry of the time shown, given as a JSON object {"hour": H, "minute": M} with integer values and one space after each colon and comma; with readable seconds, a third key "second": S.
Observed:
{"hour": 8, "minute": 10}
